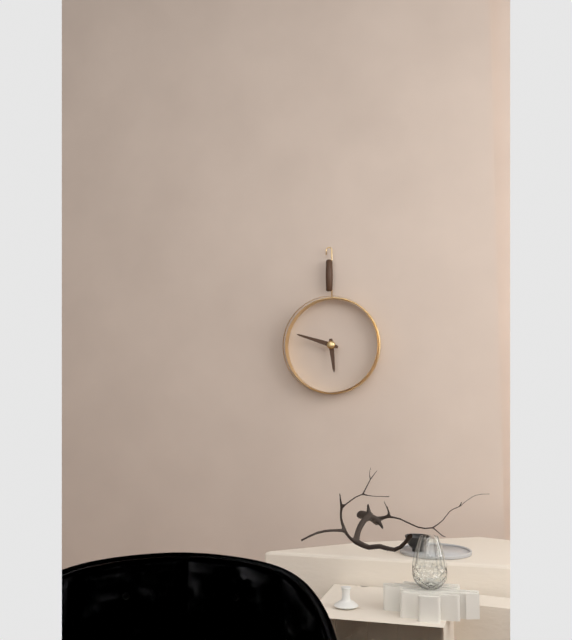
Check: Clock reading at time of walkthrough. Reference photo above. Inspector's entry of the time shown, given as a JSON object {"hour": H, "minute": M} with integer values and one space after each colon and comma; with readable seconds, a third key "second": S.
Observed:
{"hour": 5, "minute": 48}
